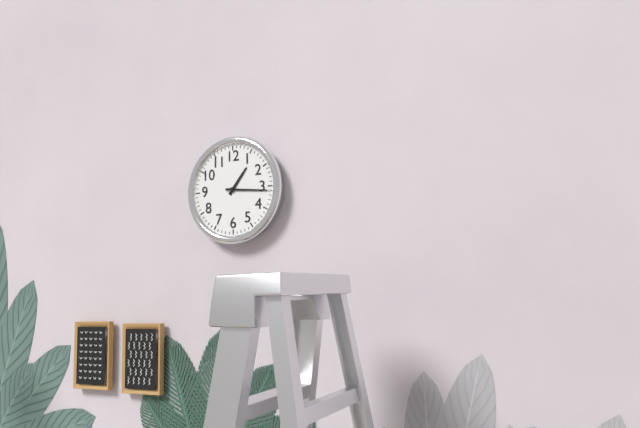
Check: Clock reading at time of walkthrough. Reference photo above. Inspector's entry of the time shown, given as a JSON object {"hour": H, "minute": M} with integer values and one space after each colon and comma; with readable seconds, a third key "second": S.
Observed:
{"hour": 1, "minute": 16}
